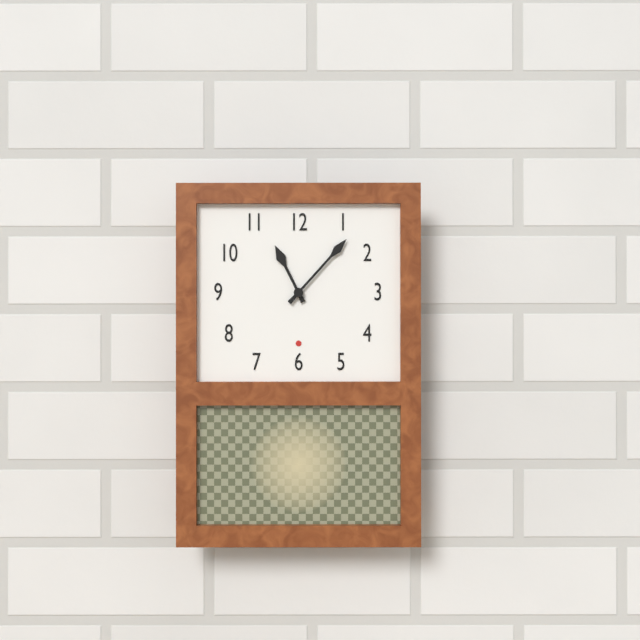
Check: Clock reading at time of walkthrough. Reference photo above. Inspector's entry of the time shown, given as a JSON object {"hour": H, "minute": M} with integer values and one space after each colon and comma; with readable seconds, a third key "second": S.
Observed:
{"hour": 11, "minute": 7}
